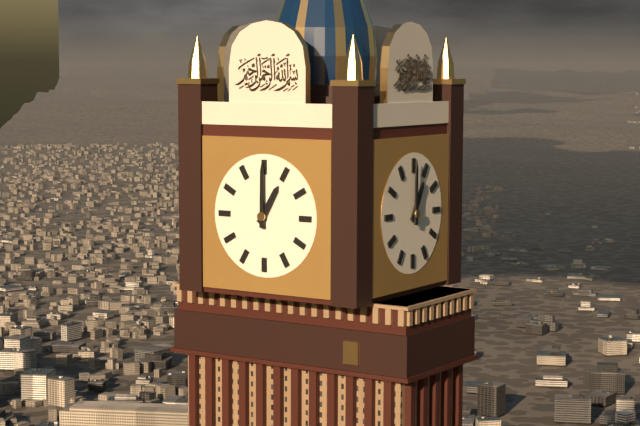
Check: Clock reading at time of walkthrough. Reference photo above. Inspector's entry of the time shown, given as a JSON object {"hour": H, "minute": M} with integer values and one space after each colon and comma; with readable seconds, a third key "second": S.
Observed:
{"hour": 1, "minute": 0}
